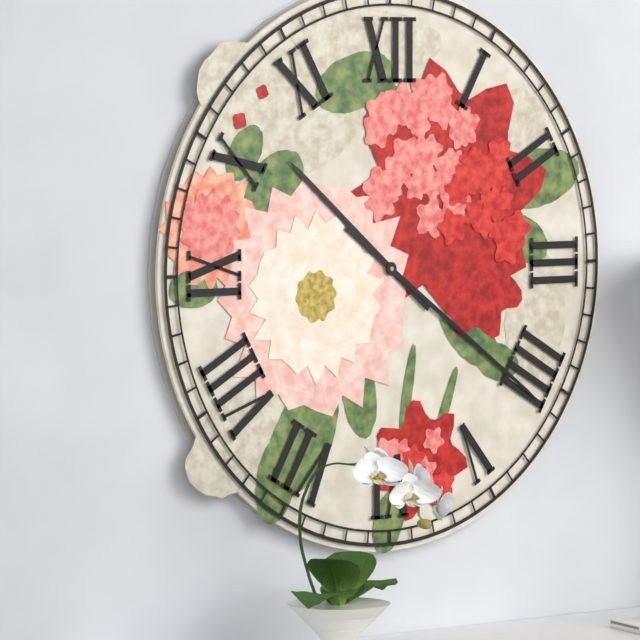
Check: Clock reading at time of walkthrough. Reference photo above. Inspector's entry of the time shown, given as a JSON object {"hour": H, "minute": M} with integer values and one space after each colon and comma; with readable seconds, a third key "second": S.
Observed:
{"hour": 10, "minute": 21}
